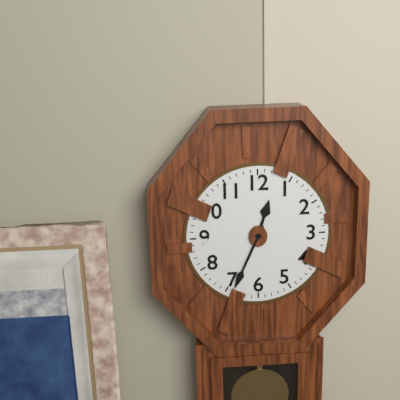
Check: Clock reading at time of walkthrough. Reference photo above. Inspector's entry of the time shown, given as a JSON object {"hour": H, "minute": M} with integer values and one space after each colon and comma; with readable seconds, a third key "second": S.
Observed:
{"hour": 12, "minute": 34}
